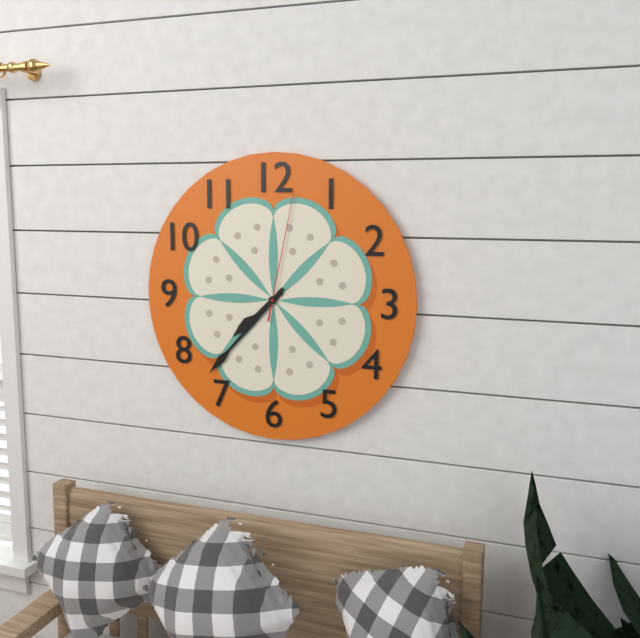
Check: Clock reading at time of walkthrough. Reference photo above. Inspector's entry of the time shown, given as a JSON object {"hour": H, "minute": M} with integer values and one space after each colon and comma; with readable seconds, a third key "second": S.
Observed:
{"hour": 7, "minute": 37, "second": 2}
